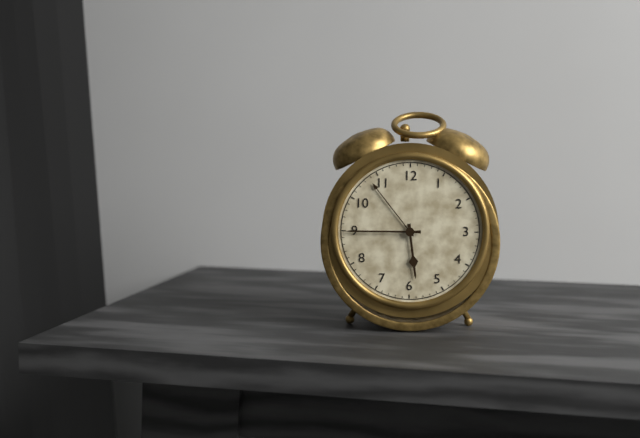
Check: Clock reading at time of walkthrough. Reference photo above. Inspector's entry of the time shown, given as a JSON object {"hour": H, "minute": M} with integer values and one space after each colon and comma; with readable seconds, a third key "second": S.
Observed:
{"hour": 5, "minute": 45}
